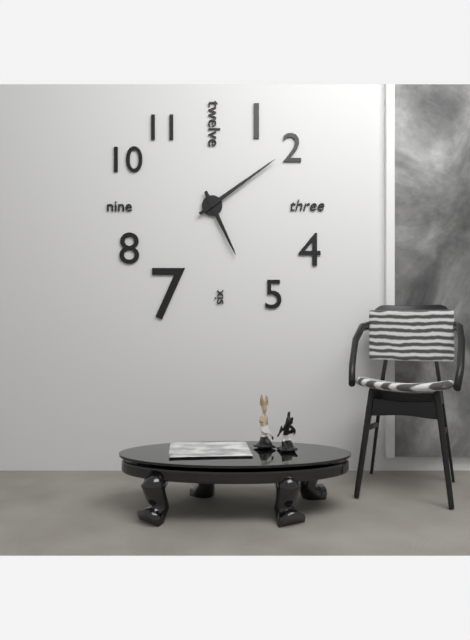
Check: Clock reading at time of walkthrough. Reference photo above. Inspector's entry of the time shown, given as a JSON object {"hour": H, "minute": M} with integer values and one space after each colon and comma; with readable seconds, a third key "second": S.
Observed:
{"hour": 5, "minute": 9}
